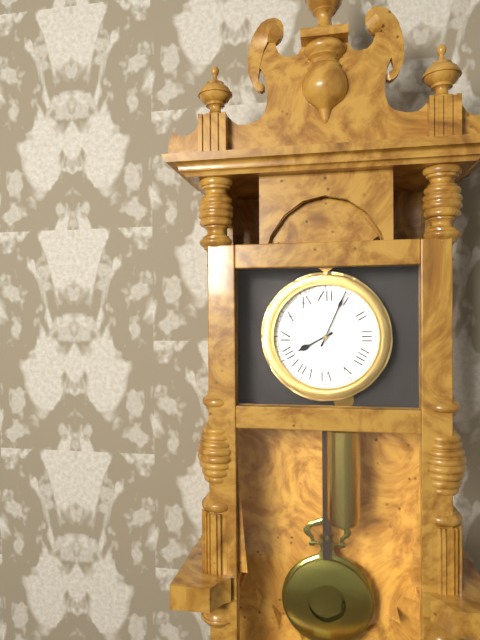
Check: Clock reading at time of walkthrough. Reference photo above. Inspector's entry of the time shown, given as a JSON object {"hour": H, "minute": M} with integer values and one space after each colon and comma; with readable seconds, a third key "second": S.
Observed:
{"hour": 8, "minute": 4}
